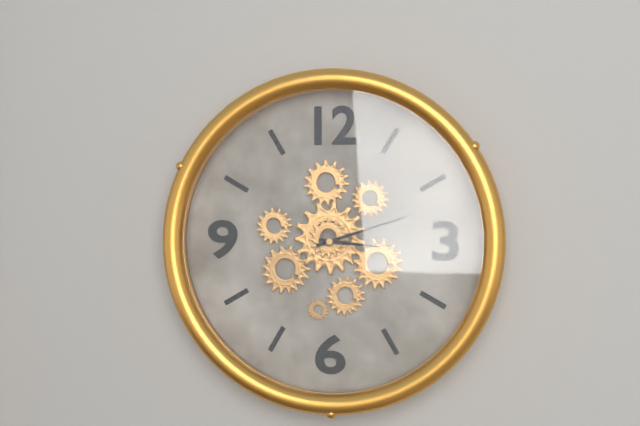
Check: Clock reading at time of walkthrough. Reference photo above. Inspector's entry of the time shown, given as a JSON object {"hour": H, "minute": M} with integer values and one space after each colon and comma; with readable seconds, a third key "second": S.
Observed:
{"hour": 3, "minute": 12}
